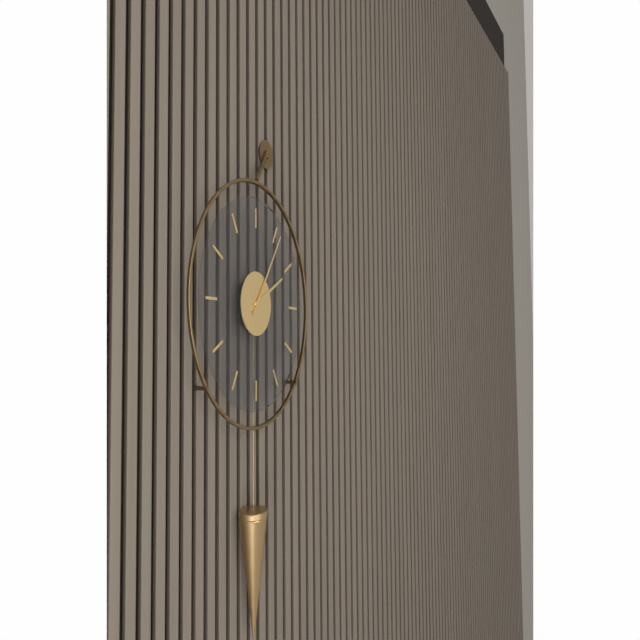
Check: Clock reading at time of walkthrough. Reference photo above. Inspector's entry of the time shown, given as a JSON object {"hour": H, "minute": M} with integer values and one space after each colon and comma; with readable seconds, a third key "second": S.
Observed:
{"hour": 2, "minute": 6}
